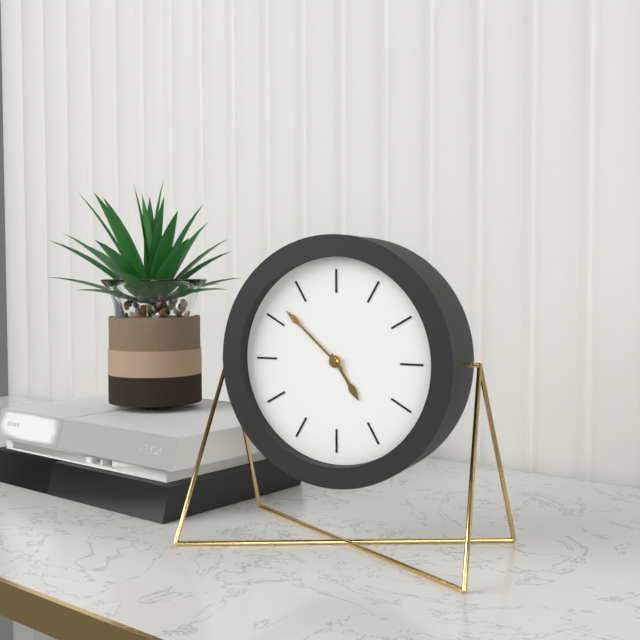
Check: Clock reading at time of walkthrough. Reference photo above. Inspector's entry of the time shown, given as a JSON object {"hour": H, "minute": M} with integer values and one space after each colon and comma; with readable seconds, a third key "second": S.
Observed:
{"hour": 4, "minute": 52}
